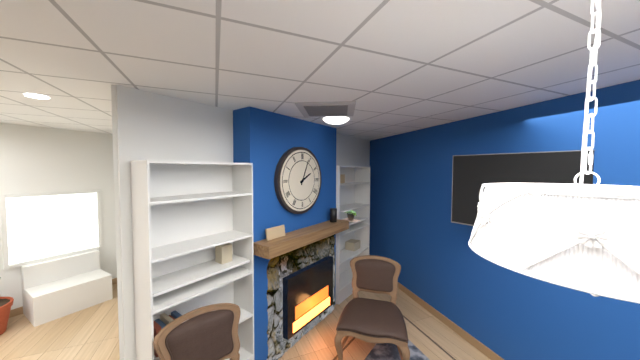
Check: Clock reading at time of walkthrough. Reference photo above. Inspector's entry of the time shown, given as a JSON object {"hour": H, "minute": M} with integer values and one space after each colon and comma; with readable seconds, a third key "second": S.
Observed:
{"hour": 2, "minute": 4}
